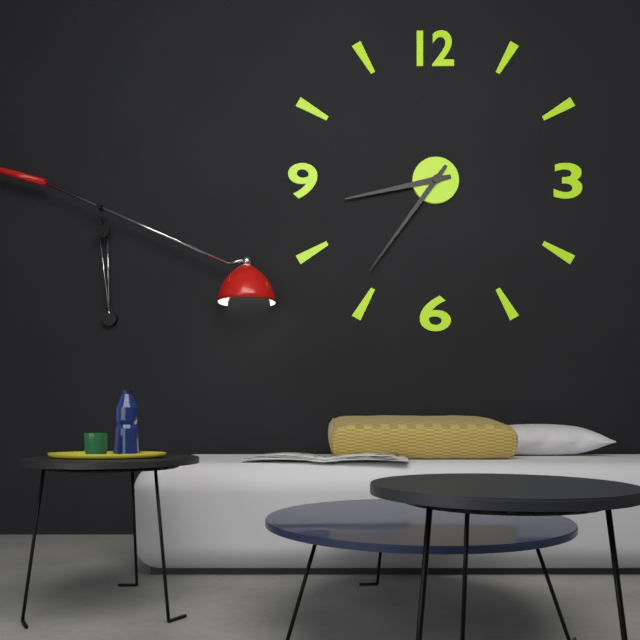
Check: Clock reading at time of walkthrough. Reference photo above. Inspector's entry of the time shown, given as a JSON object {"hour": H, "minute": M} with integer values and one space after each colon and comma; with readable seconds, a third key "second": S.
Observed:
{"hour": 8, "minute": 36}
